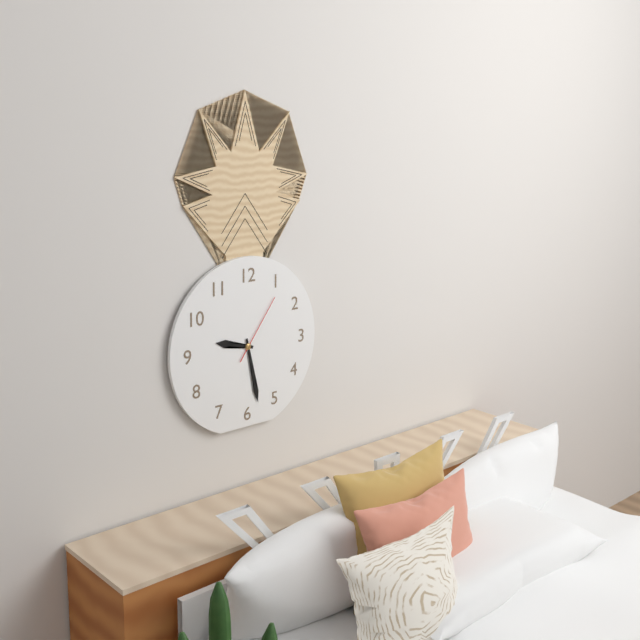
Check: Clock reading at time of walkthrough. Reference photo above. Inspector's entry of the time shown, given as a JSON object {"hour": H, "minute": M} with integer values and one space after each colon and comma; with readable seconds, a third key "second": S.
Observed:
{"hour": 9, "minute": 28, "second": 6}
